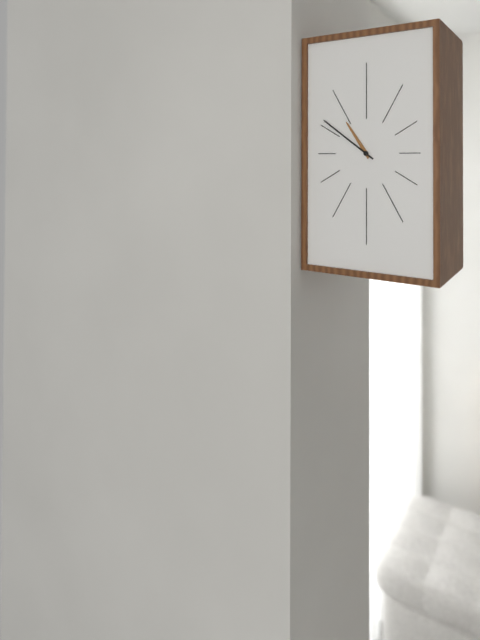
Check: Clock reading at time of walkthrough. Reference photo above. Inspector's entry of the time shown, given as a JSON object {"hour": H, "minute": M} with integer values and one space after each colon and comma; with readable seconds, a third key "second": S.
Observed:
{"hour": 10, "minute": 51}
